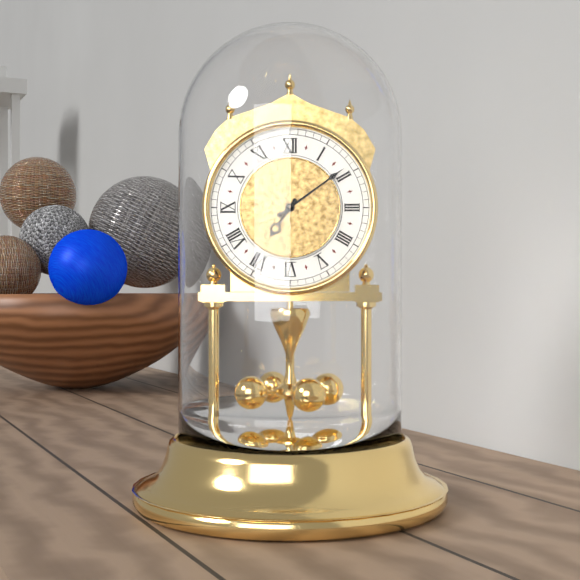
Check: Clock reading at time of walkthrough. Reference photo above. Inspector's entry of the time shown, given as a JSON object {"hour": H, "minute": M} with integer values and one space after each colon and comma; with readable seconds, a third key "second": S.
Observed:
{"hour": 7, "minute": 9}
